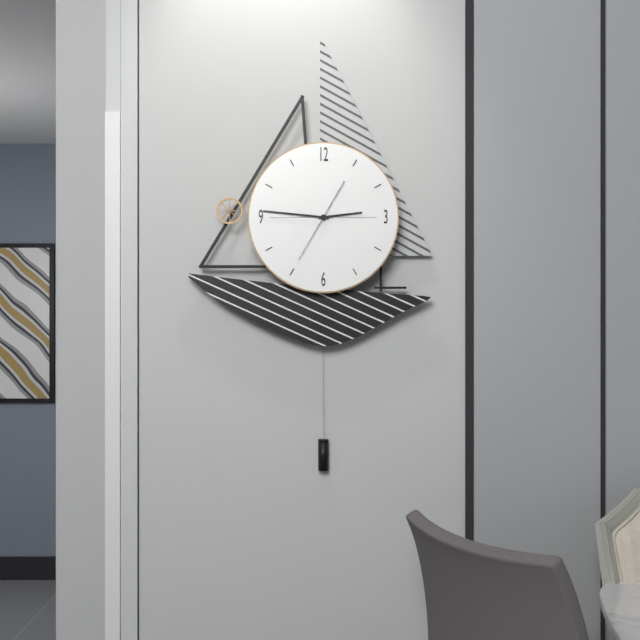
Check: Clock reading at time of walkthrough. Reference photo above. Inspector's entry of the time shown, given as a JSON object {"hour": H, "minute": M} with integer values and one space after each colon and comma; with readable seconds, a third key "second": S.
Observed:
{"hour": 2, "minute": 46, "second": 35}
